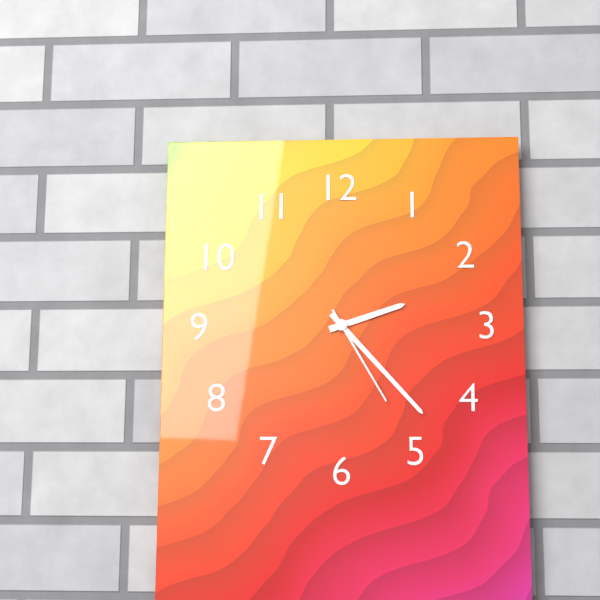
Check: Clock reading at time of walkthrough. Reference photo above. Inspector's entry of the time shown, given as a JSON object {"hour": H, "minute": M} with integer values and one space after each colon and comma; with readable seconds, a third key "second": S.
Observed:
{"hour": 2, "minute": 23, "second": 25}
